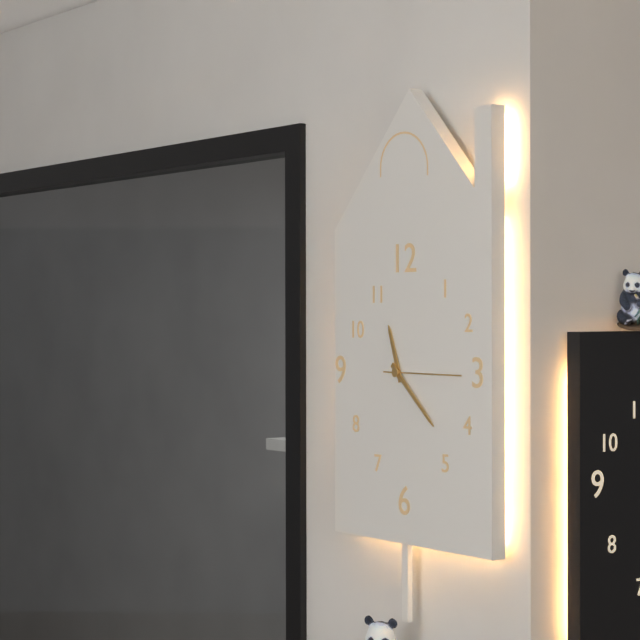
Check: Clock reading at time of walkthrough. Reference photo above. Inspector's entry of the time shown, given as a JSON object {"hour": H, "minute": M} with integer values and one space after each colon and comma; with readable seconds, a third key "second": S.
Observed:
{"hour": 11, "minute": 22, "second": 15}
